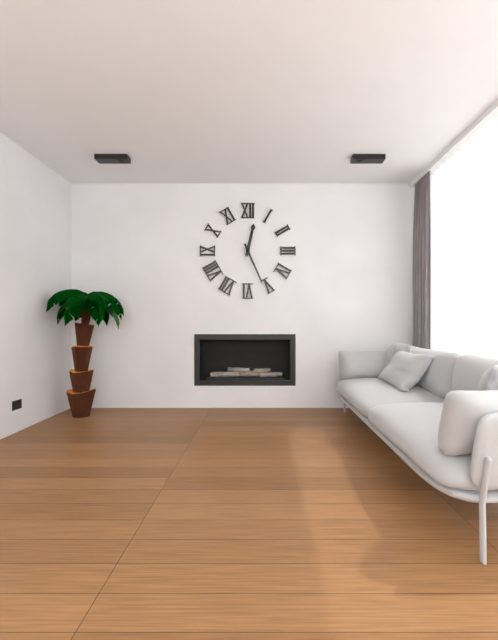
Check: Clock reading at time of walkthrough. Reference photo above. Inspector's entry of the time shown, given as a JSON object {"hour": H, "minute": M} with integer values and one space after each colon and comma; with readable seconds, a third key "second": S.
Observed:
{"hour": 12, "minute": 26}
